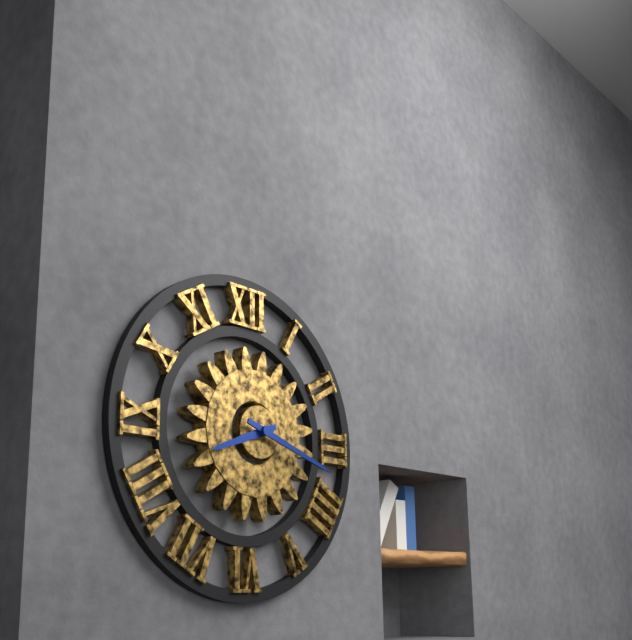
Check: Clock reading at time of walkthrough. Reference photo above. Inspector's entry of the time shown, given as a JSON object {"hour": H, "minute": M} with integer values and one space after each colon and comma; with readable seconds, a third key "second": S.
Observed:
{"hour": 8, "minute": 18}
